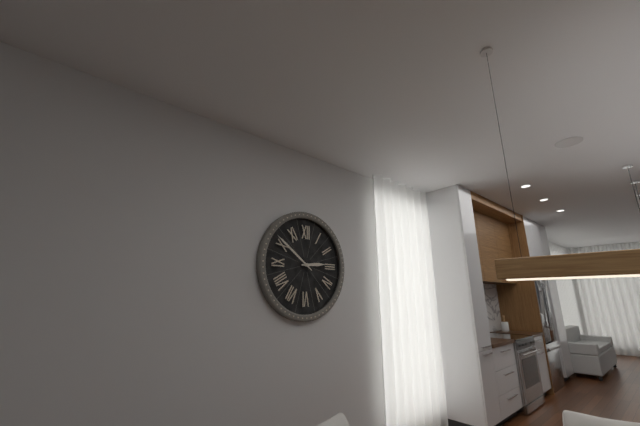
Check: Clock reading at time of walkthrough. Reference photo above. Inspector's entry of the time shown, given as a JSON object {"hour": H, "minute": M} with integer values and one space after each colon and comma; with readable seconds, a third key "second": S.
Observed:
{"hour": 2, "minute": 51}
